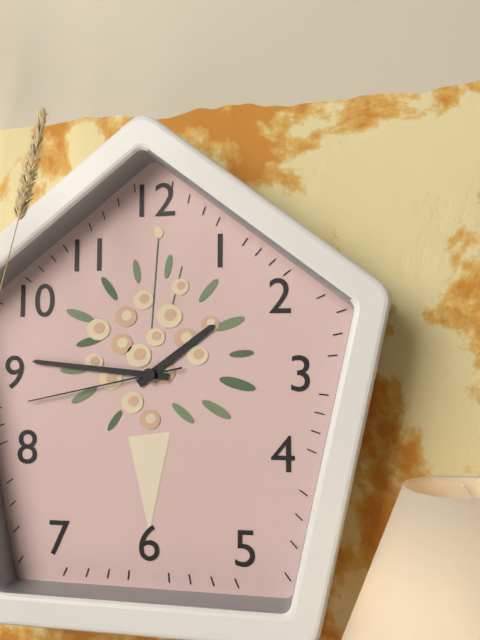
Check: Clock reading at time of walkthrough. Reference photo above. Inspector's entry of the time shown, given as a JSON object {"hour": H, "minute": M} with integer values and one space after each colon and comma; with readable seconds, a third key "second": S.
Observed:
{"hour": 1, "minute": 46, "second": 43}
